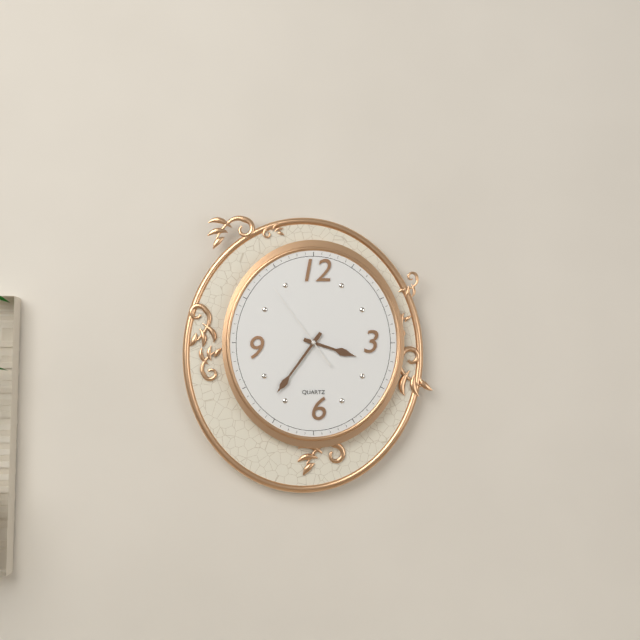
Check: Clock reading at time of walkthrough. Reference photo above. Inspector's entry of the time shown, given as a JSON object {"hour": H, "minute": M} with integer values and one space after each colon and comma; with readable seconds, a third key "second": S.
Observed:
{"hour": 3, "minute": 36, "second": 54}
